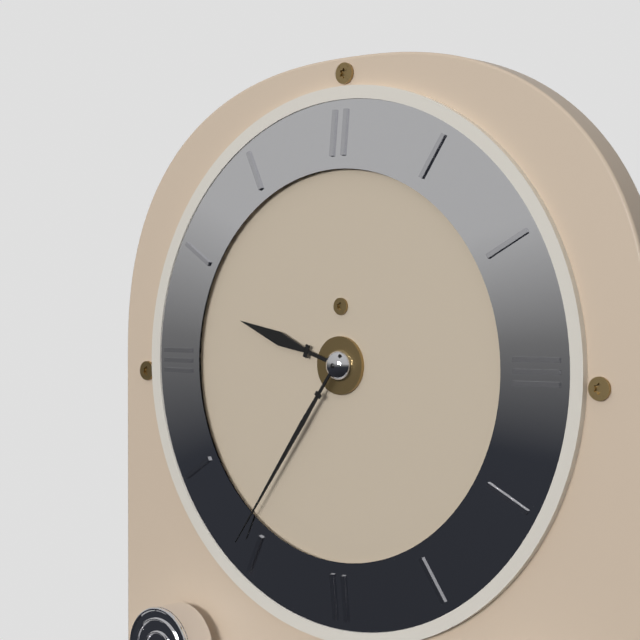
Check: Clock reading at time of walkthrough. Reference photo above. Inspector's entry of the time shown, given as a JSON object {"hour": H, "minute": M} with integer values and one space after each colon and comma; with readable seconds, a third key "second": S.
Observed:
{"hour": 9, "minute": 36}
